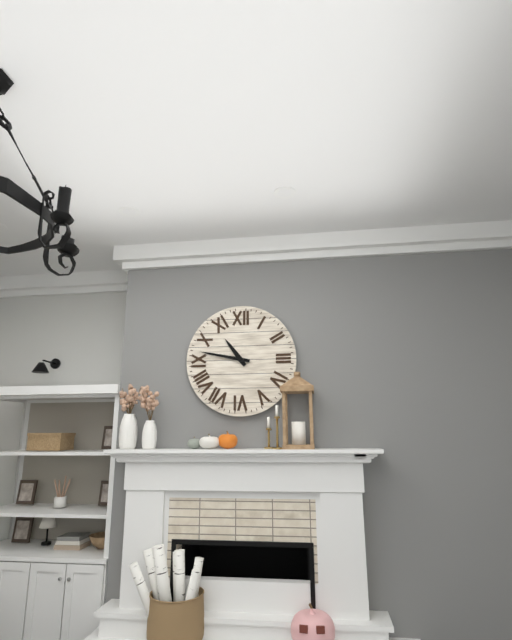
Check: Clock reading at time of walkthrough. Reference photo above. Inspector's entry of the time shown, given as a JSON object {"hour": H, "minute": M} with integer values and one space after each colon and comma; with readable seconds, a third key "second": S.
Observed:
{"hour": 10, "minute": 47}
